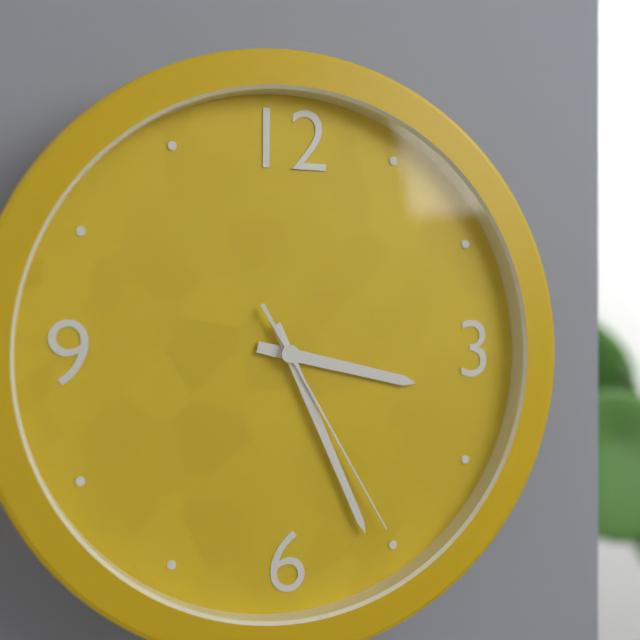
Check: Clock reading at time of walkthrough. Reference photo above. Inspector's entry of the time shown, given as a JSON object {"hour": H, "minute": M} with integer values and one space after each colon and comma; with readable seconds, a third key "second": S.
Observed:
{"hour": 3, "minute": 26, "second": 25}
